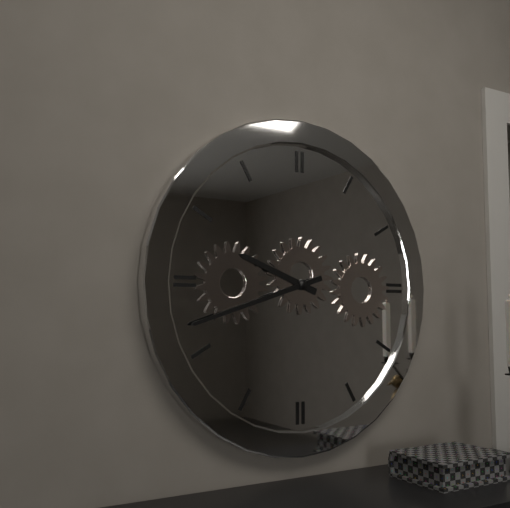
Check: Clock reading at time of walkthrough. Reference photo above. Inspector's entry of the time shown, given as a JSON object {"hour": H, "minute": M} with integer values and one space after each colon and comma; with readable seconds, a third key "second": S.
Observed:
{"hour": 9, "minute": 42}
